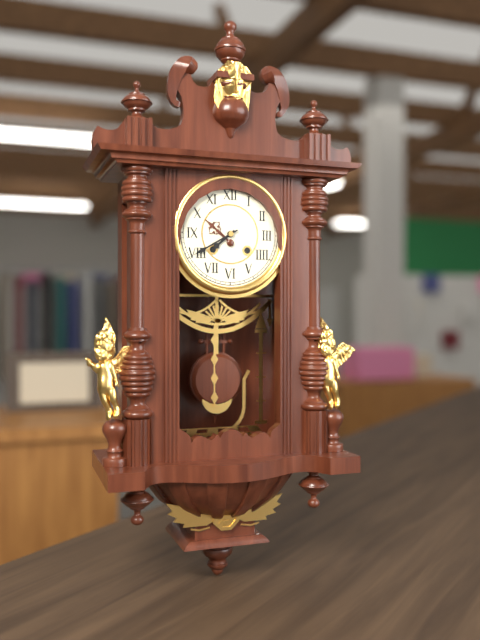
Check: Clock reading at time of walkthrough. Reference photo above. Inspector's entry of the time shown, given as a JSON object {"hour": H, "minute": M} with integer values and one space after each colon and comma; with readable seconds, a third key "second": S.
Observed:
{"hour": 7, "minute": 40}
